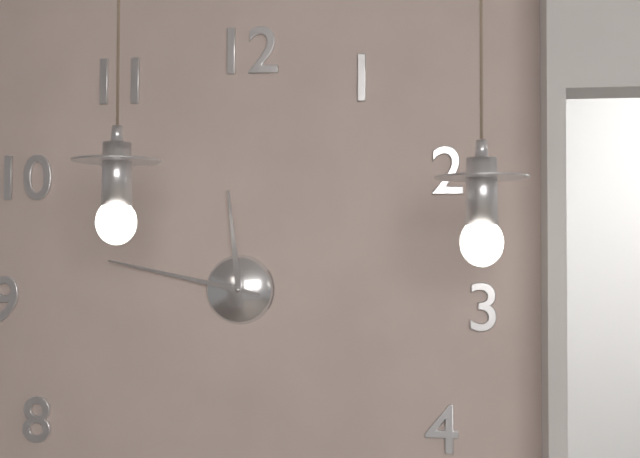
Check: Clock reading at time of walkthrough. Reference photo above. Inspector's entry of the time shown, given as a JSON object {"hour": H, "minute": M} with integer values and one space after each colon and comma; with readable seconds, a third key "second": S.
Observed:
{"hour": 11, "minute": 47}
